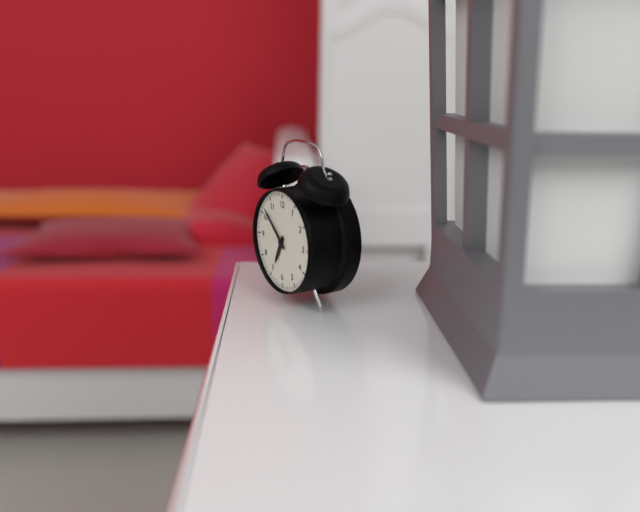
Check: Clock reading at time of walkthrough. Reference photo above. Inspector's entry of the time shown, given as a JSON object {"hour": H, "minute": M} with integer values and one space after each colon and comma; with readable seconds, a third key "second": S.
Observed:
{"hour": 6, "minute": 52}
